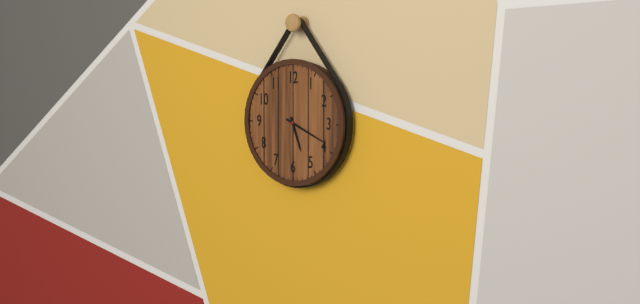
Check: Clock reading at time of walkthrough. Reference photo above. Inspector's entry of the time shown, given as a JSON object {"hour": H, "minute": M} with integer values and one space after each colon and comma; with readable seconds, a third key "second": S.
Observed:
{"hour": 5, "minute": 19}
